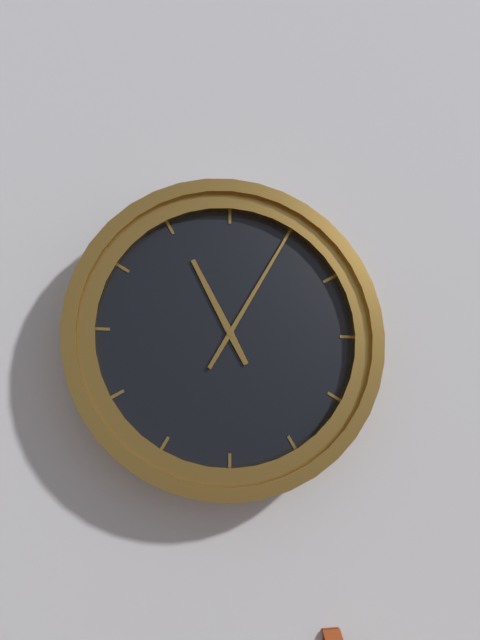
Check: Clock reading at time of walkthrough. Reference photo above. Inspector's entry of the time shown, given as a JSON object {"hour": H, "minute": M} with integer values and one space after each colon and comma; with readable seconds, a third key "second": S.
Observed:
{"hour": 11, "minute": 5}
